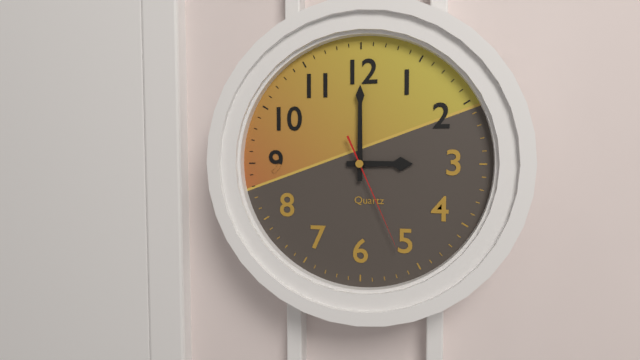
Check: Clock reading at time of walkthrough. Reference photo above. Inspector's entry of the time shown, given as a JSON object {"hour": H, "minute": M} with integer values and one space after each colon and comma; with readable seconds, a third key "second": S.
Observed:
{"hour": 3, "minute": 0, "second": 26}
